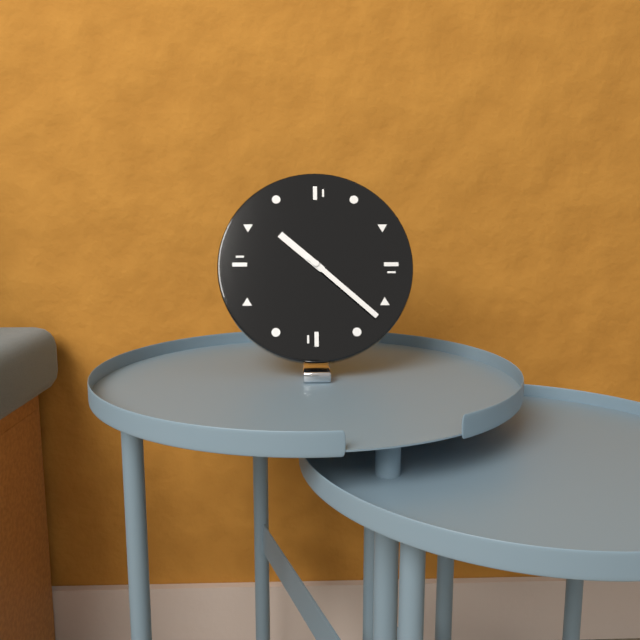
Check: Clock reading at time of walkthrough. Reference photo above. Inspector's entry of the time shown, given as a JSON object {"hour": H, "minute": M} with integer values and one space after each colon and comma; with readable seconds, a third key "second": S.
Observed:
{"hour": 10, "minute": 22}
